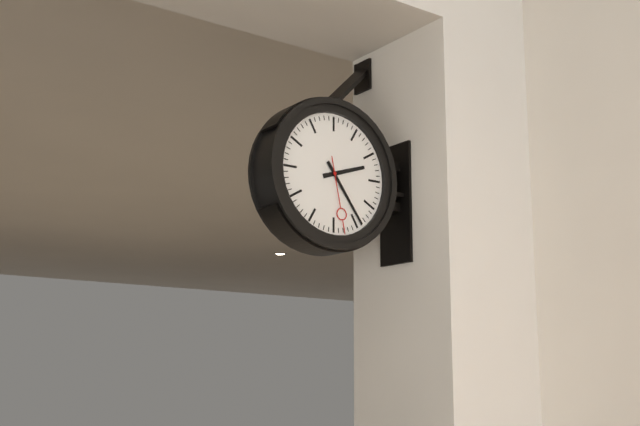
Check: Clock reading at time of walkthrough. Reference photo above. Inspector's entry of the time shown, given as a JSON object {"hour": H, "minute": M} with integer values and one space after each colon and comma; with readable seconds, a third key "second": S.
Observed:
{"hour": 2, "minute": 24, "second": 28}
